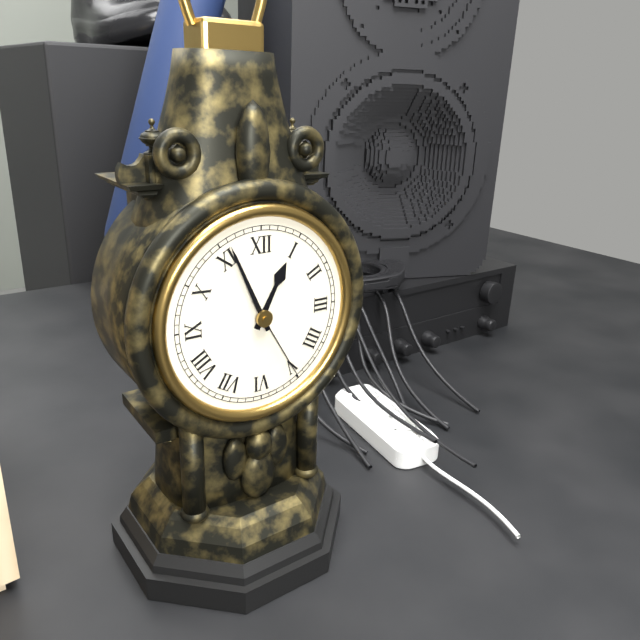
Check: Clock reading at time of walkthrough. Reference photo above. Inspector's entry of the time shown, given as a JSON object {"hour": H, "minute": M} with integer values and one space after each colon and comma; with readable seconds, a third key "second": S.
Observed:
{"hour": 12, "minute": 56, "second": 25}
